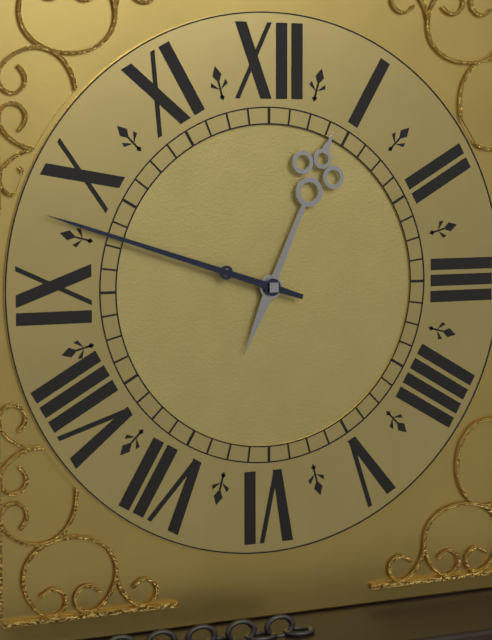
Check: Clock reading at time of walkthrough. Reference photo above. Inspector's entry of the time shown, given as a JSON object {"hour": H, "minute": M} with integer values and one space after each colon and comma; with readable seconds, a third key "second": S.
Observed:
{"hour": 12, "minute": 48}
